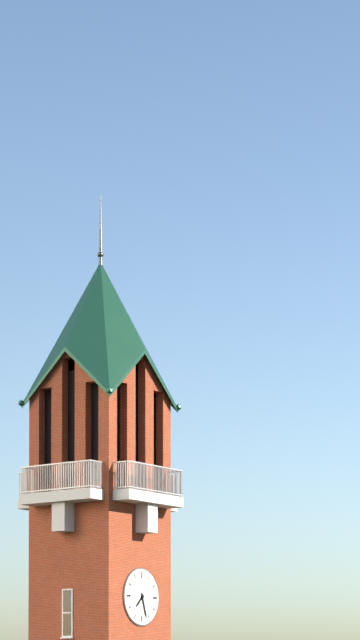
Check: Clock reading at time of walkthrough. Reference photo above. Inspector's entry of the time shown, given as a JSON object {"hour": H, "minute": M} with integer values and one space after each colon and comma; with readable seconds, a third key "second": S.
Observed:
{"hour": 7, "minute": 27}
